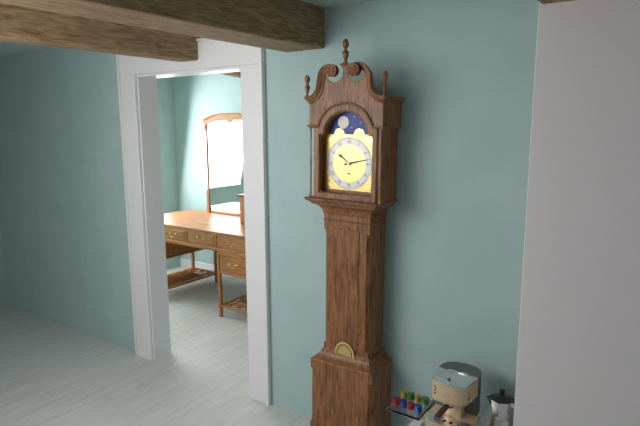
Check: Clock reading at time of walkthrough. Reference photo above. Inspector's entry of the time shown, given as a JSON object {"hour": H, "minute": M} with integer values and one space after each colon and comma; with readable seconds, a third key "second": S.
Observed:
{"hour": 10, "minute": 13}
